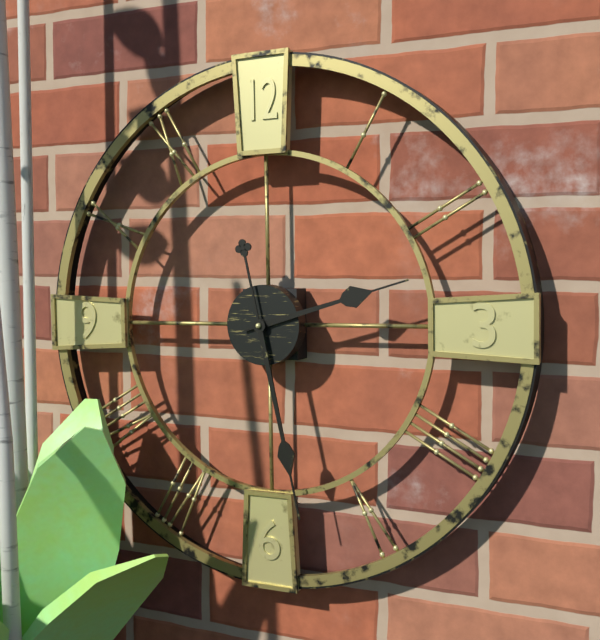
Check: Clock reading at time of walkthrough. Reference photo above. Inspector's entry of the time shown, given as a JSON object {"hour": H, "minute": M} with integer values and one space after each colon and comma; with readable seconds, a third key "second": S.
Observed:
{"hour": 2, "minute": 28}
